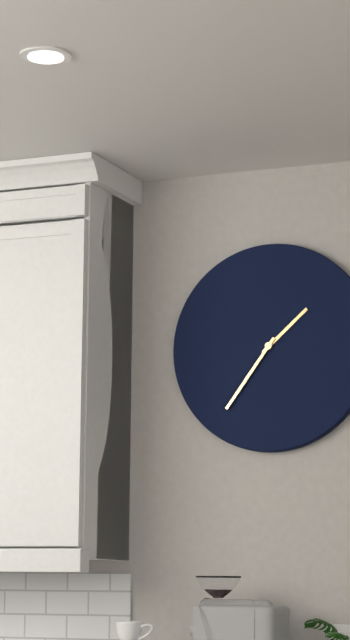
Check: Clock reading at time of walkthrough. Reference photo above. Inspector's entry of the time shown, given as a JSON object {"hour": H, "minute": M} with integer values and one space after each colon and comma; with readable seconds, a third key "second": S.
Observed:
{"hour": 1, "minute": 36}
